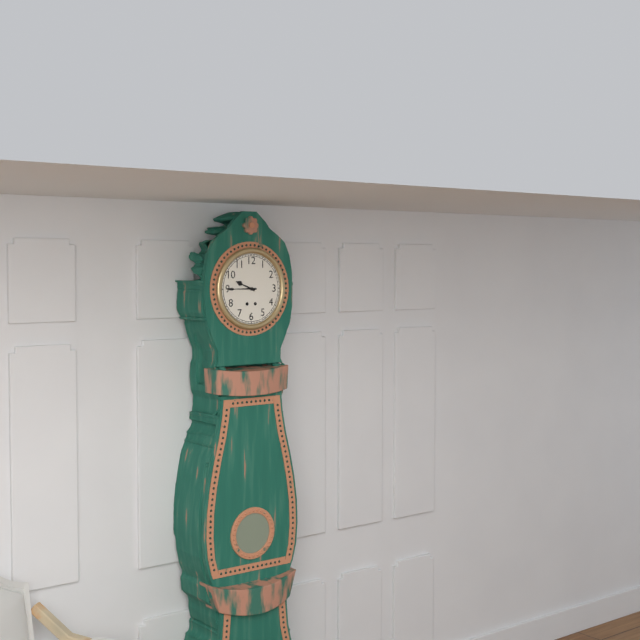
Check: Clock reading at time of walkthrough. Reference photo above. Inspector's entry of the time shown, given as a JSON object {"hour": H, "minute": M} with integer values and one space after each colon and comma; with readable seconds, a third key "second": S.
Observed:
{"hour": 9, "minute": 45}
